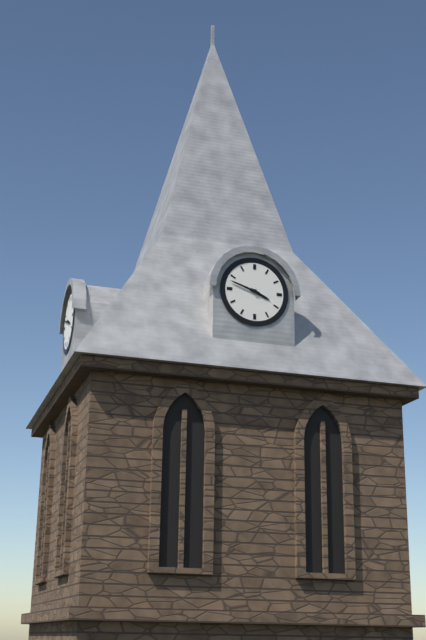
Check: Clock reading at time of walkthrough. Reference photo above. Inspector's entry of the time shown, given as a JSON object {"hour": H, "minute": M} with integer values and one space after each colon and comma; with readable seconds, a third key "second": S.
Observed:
{"hour": 3, "minute": 48}
